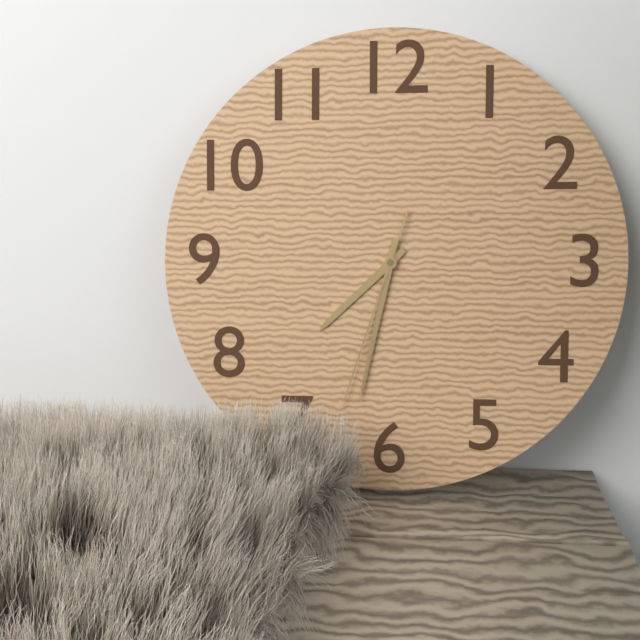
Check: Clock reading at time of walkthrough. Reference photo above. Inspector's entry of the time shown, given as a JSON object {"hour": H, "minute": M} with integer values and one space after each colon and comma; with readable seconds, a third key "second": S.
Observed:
{"hour": 7, "minute": 32, "second": 33}
